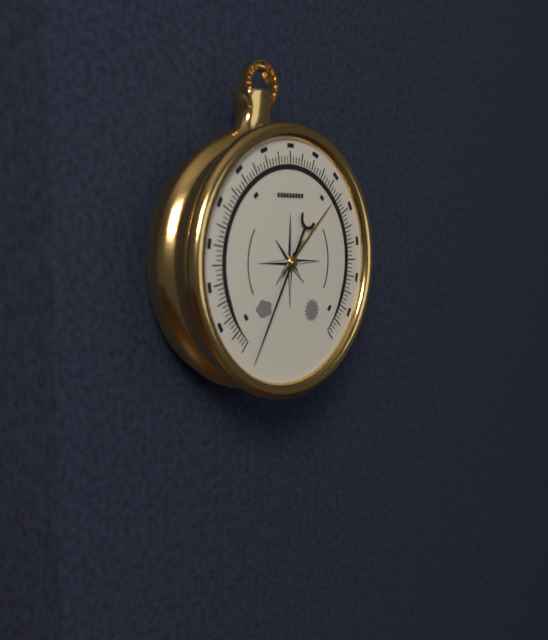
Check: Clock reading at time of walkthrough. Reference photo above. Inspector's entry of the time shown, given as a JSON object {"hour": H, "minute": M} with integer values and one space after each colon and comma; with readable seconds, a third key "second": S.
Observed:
{"hour": 1, "minute": 35}
